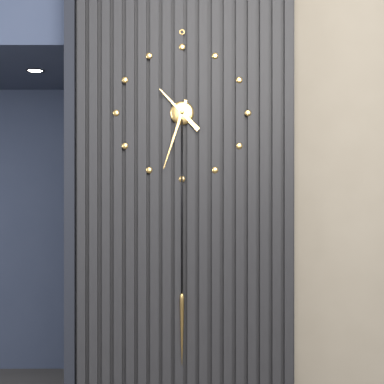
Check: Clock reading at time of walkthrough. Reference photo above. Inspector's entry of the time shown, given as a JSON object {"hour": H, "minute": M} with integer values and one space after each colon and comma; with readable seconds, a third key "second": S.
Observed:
{"hour": 10, "minute": 33}
